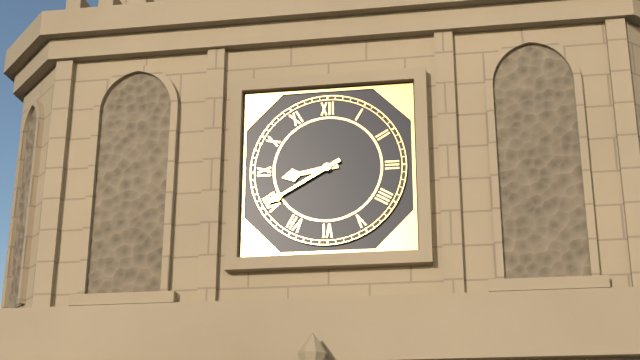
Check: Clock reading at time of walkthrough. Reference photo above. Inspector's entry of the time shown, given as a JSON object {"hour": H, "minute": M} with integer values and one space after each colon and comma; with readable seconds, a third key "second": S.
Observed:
{"hour": 8, "minute": 40}
